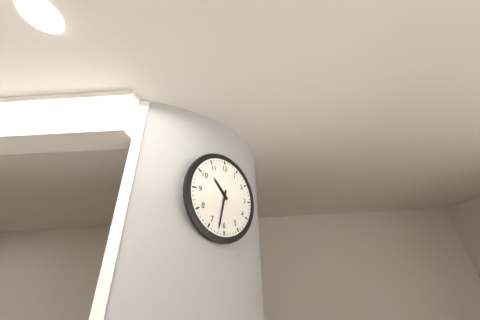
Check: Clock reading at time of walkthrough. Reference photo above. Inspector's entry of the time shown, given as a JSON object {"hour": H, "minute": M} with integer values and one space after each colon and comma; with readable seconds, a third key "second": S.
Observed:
{"hour": 10, "minute": 32}
